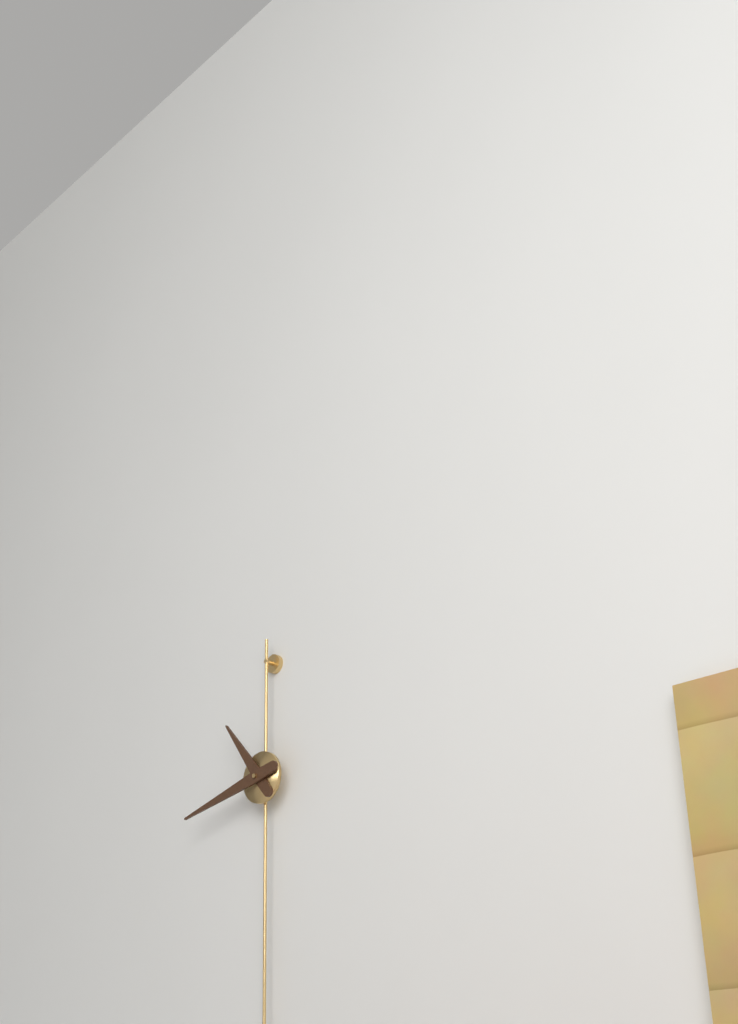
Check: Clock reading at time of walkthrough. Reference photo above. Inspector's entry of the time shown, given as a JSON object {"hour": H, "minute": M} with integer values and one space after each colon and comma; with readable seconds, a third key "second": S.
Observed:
{"hour": 10, "minute": 43}
